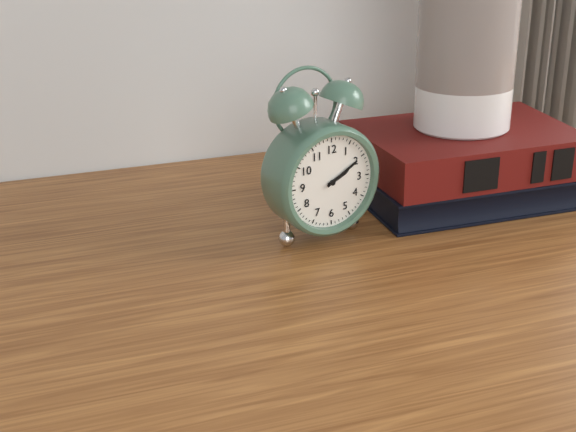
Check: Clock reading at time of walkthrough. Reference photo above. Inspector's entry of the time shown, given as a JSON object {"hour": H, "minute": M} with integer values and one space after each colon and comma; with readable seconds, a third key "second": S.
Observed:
{"hour": 2, "minute": 10}
